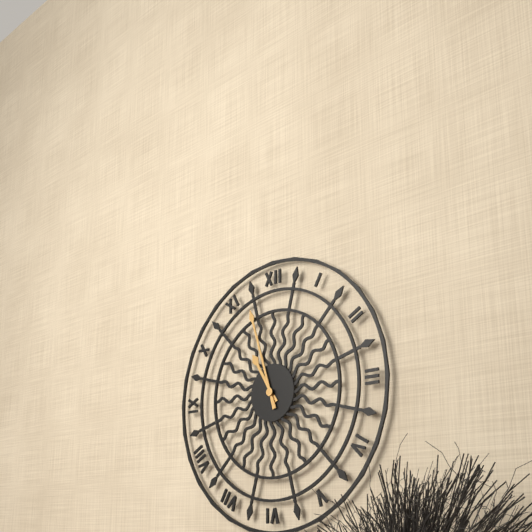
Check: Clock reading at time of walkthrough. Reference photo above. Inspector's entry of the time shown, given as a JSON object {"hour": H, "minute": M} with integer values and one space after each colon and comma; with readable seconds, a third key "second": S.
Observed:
{"hour": 10, "minute": 57}
